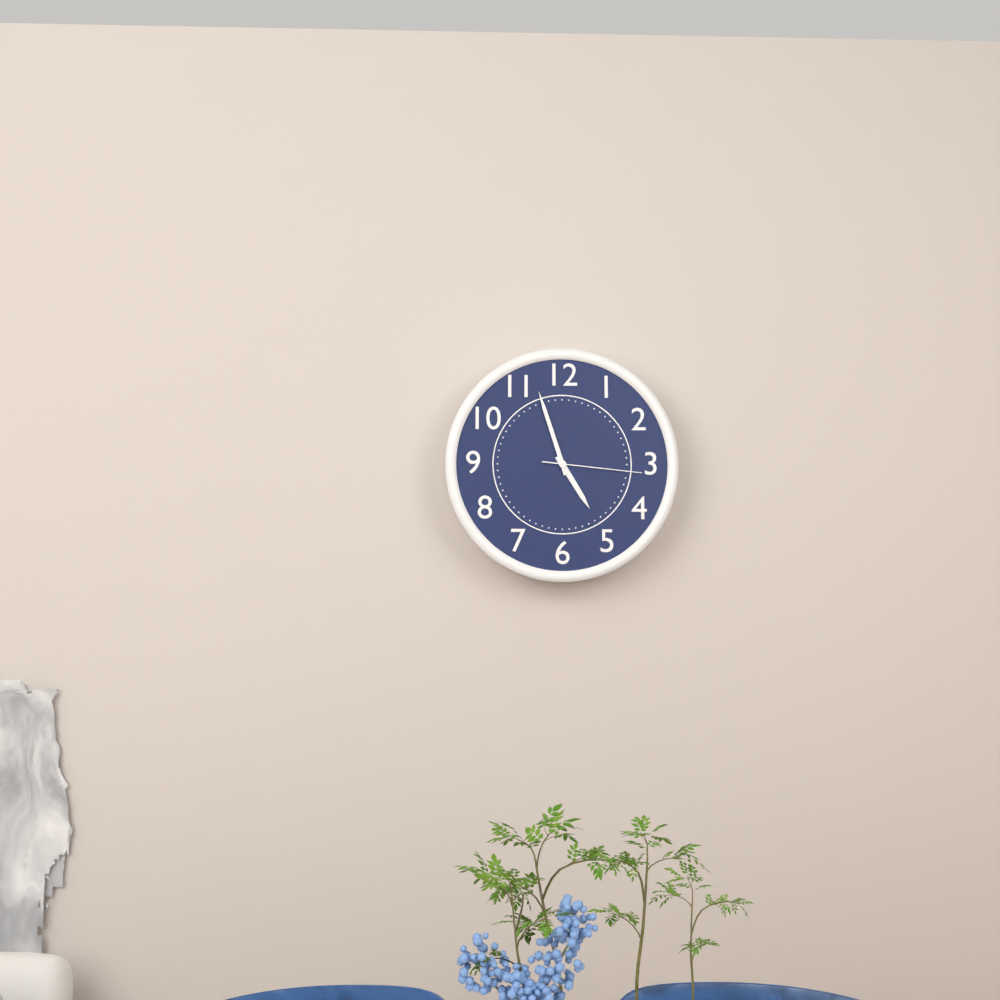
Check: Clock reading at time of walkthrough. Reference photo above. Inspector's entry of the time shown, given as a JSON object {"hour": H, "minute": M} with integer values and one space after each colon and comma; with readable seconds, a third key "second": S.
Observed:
{"hour": 4, "minute": 57, "second": 16}
